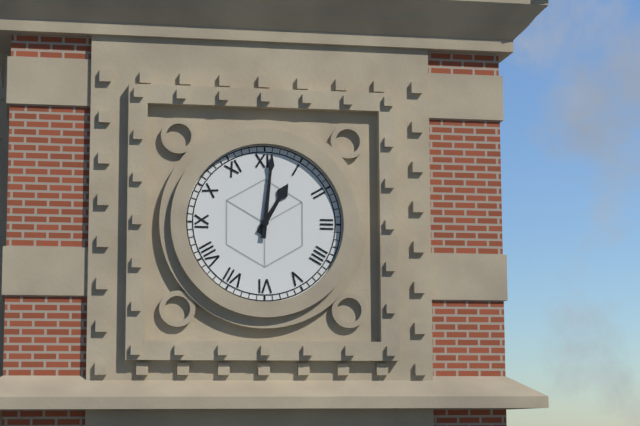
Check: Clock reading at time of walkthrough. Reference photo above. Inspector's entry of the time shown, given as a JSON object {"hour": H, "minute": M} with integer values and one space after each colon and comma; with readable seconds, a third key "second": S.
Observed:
{"hour": 1, "minute": 1}
